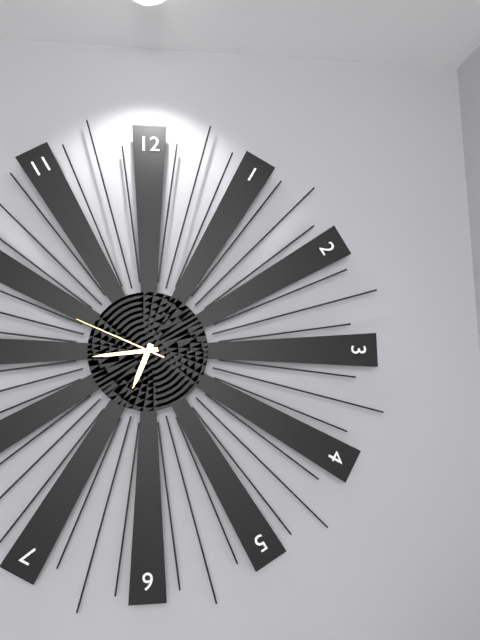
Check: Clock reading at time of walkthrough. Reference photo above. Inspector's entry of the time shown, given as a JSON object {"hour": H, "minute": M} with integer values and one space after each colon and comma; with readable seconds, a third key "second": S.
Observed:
{"hour": 6, "minute": 44, "second": 49}
